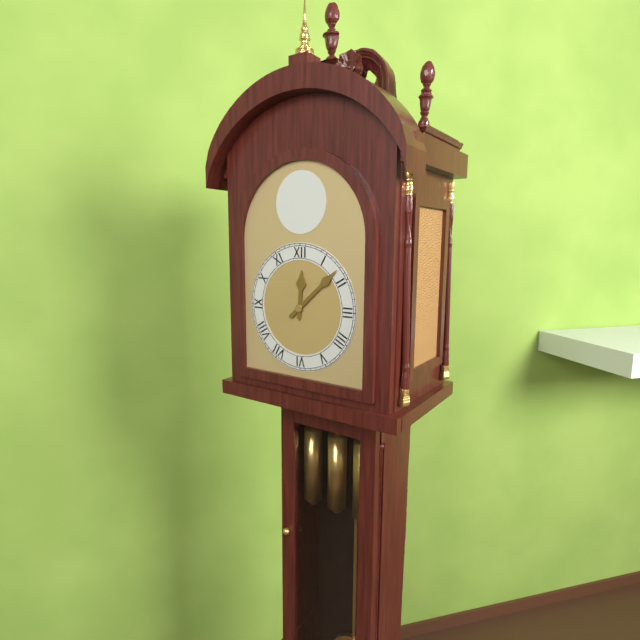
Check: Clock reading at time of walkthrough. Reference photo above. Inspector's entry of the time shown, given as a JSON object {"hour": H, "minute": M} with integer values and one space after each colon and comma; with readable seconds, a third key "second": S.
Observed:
{"hour": 12, "minute": 8}
